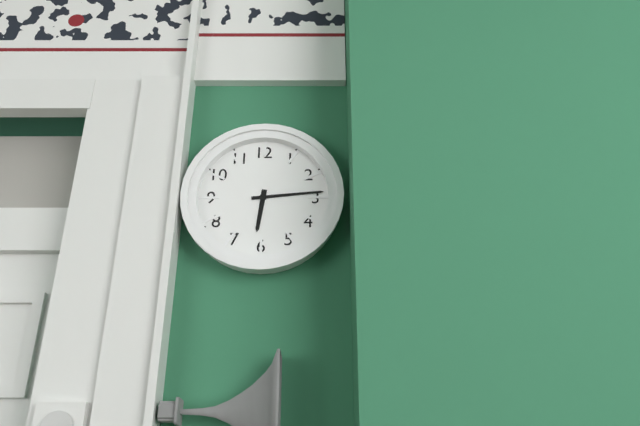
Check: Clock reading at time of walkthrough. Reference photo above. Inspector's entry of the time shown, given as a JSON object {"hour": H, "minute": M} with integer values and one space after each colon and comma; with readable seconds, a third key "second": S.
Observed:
{"hour": 6, "minute": 14}
